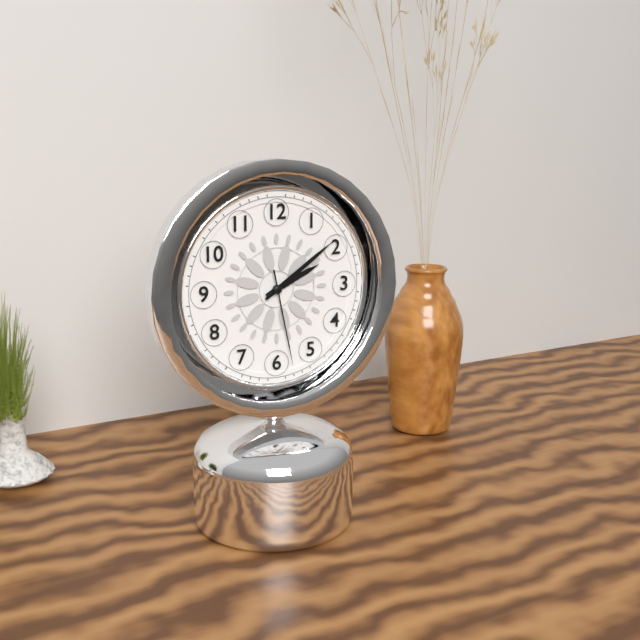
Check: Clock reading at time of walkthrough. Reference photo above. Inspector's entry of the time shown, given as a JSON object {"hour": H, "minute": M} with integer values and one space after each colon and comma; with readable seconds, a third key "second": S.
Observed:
{"hour": 2, "minute": 9, "second": 28}
